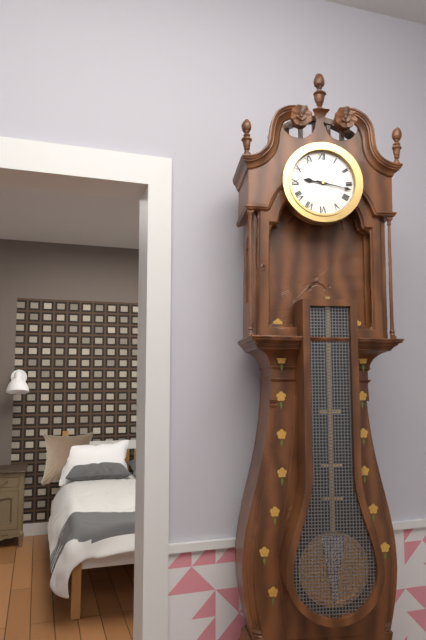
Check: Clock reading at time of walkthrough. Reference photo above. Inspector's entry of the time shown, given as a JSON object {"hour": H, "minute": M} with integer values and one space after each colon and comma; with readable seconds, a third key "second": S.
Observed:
{"hour": 9, "minute": 17}
